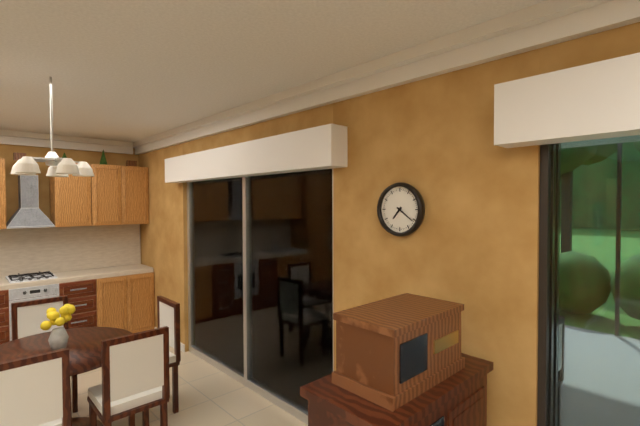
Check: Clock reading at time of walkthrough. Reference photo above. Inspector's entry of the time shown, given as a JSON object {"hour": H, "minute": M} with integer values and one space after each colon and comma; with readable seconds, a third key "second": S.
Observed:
{"hour": 7, "minute": 21}
